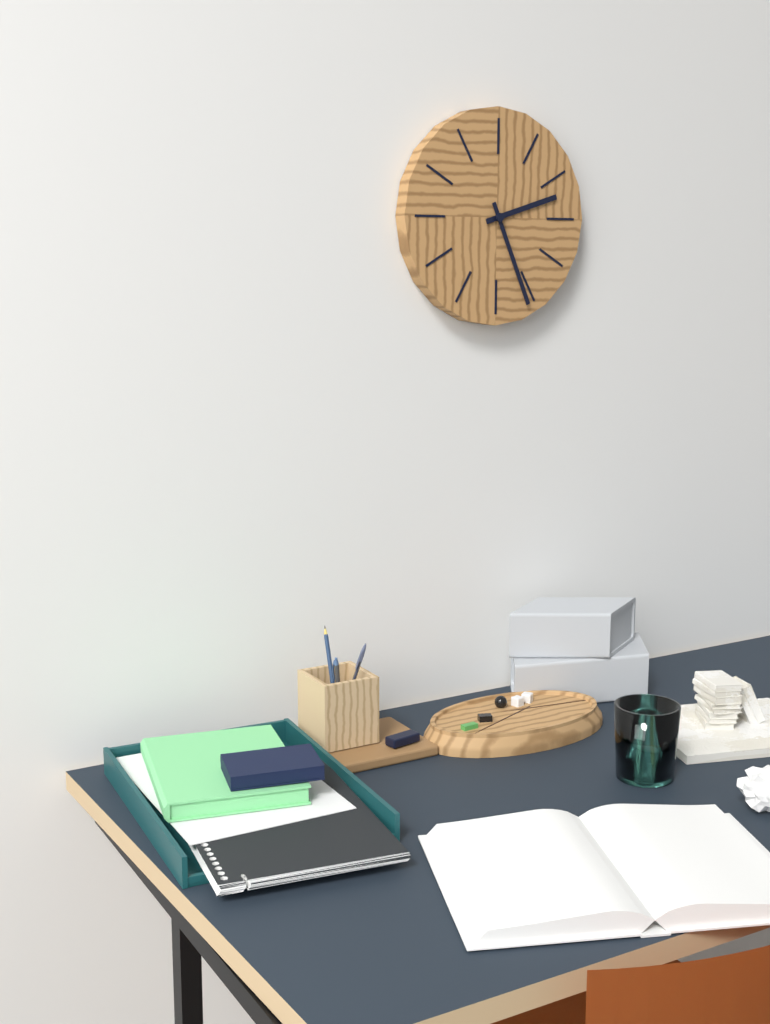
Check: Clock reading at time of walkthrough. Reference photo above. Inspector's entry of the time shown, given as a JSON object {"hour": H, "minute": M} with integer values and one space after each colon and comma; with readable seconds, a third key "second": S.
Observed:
{"hour": 2, "minute": 26}
